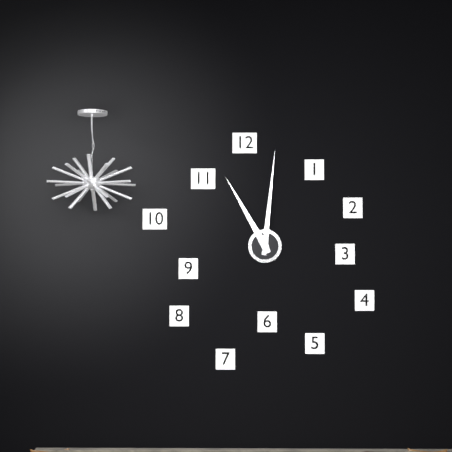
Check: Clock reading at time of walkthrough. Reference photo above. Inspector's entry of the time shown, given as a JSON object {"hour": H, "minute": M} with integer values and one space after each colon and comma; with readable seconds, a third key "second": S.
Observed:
{"hour": 11, "minute": 1}
